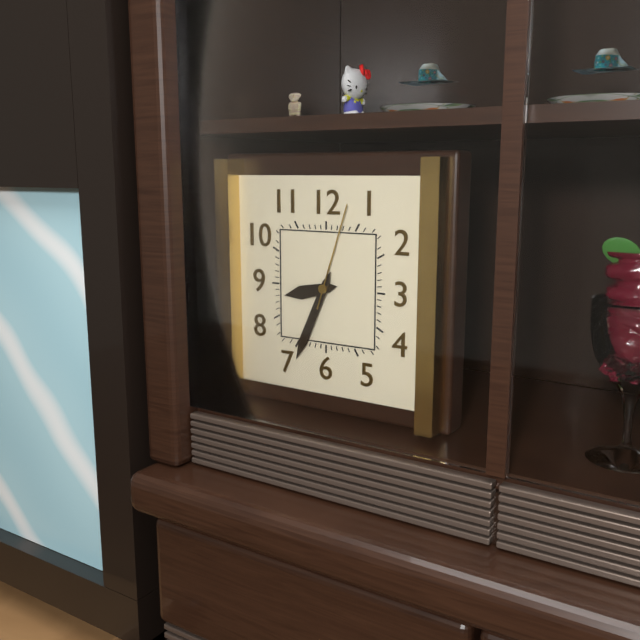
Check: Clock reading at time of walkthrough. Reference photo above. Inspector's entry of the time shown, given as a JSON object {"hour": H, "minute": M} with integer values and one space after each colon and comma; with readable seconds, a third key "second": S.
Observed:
{"hour": 8, "minute": 34, "second": 3}
